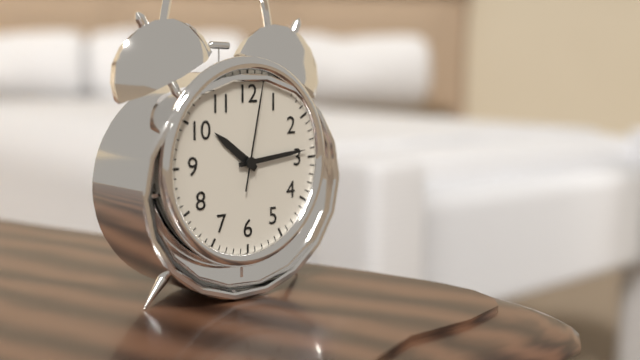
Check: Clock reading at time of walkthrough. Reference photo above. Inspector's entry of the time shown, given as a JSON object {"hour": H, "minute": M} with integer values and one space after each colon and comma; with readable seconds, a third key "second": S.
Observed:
{"hour": 10, "minute": 14, "second": 2}
